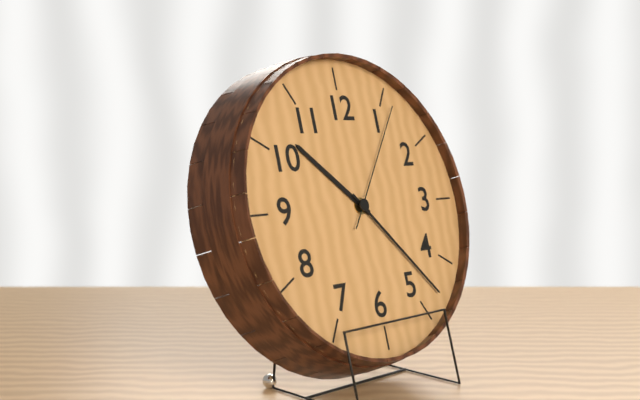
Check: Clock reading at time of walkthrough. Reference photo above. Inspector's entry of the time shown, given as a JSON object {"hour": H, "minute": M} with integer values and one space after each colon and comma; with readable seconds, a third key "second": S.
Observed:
{"hour": 10, "minute": 23, "second": 6}
